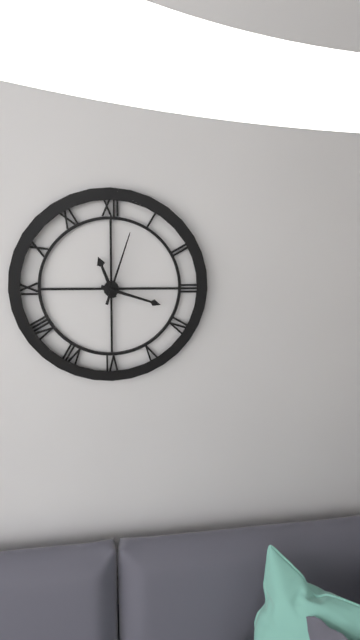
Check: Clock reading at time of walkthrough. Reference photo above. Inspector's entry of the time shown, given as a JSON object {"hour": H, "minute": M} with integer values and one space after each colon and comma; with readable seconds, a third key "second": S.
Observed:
{"hour": 11, "minute": 18, "second": 3}
